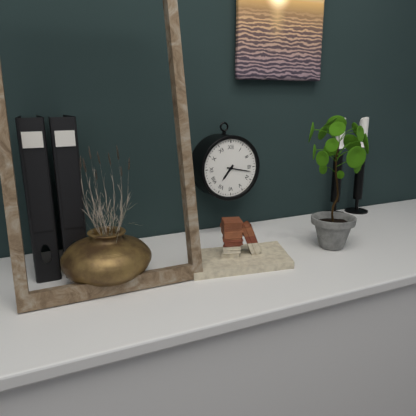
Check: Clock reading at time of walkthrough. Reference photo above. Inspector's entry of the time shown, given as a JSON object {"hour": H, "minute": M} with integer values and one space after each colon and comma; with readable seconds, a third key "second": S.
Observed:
{"hour": 7, "minute": 17}
